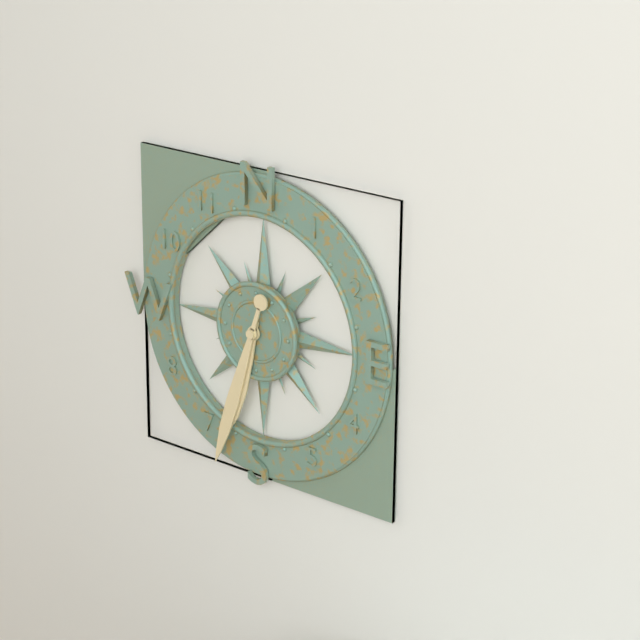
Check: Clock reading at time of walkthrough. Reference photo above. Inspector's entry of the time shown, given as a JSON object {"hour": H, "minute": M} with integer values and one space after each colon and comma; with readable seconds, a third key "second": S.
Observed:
{"hour": 6, "minute": 33}
